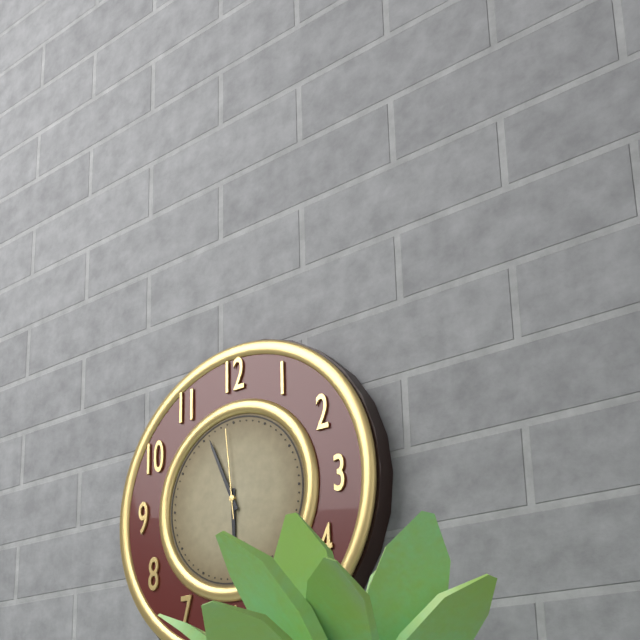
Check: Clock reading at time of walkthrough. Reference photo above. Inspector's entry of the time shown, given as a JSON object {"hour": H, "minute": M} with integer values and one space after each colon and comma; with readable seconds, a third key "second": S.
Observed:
{"hour": 5, "minute": 56, "second": 59}
